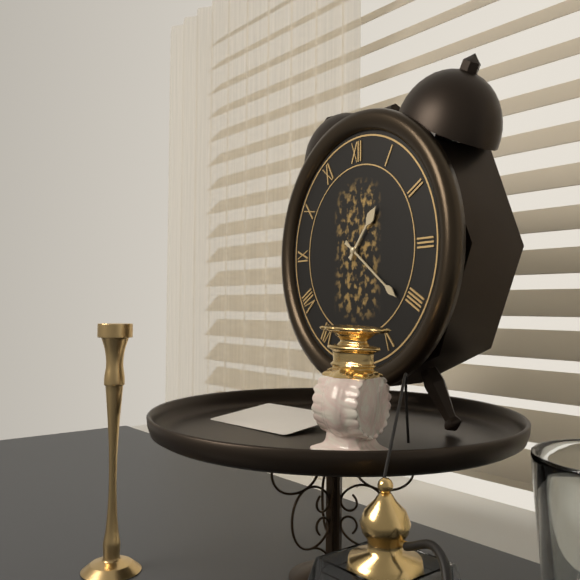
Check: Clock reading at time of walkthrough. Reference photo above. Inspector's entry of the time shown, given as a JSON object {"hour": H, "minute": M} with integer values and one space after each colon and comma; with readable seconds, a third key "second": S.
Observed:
{"hour": 1, "minute": 21}
